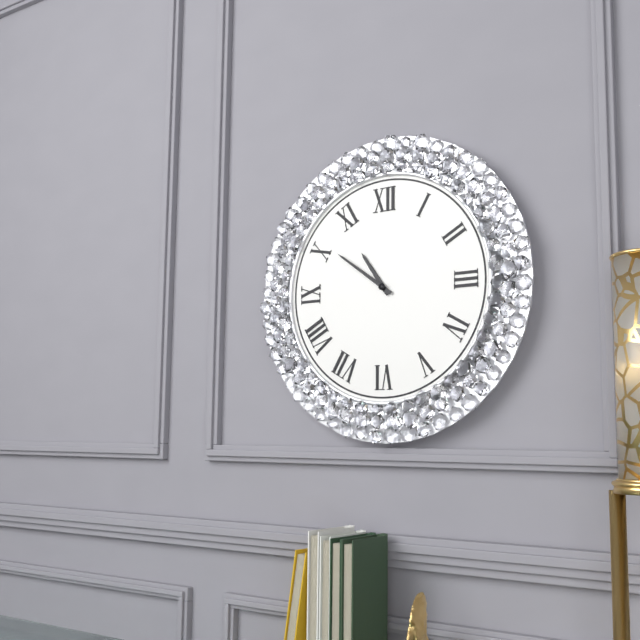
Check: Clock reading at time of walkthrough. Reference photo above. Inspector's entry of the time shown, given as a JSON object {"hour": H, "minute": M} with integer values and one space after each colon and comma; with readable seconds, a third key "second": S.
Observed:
{"hour": 10, "minute": 51}
